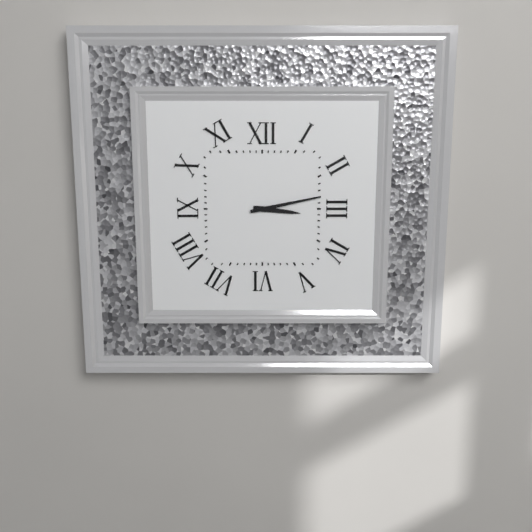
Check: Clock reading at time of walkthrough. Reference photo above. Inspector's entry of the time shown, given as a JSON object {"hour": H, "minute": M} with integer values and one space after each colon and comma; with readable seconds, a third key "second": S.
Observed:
{"hour": 3, "minute": 13}
